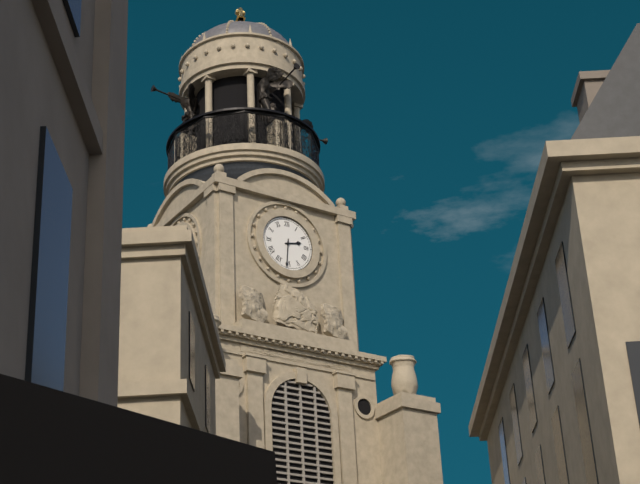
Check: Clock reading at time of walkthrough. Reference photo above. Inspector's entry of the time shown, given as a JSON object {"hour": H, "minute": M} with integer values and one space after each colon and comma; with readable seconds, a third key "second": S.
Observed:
{"hour": 2, "minute": 31}
